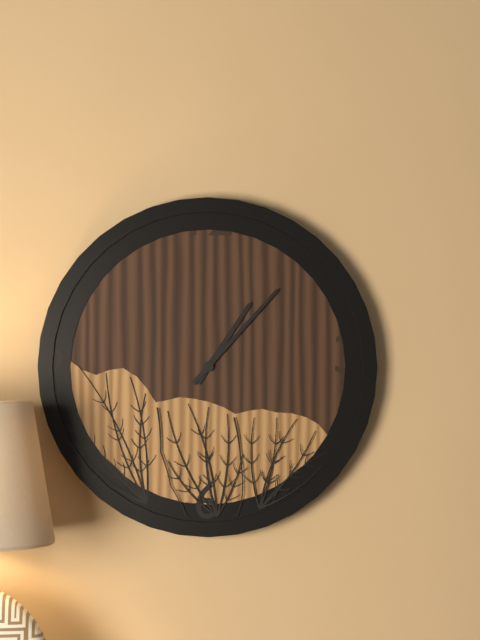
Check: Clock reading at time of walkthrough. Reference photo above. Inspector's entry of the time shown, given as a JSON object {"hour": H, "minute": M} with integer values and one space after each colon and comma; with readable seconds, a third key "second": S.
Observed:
{"hour": 1, "minute": 7}
